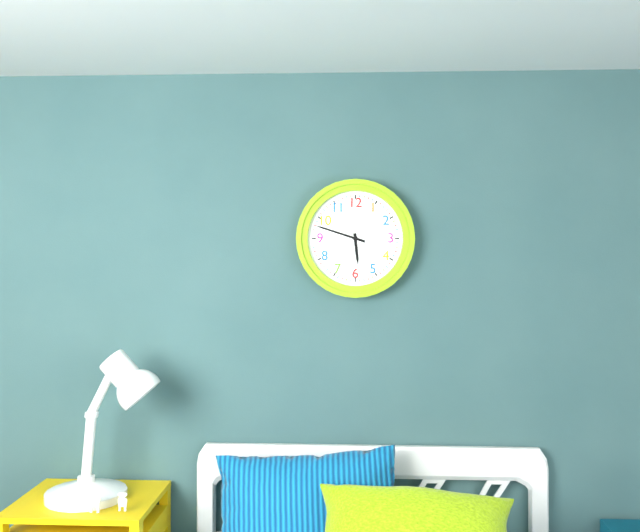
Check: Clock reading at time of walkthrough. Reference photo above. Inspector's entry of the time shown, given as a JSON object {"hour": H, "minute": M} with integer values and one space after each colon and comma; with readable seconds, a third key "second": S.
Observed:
{"hour": 5, "minute": 48}
